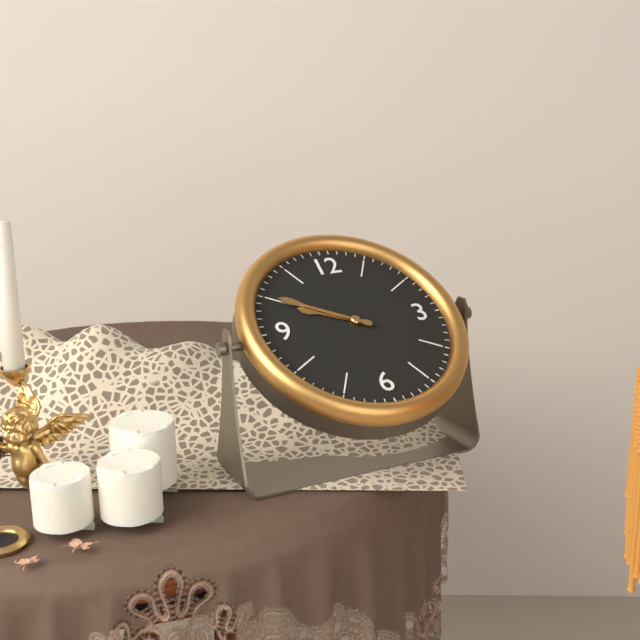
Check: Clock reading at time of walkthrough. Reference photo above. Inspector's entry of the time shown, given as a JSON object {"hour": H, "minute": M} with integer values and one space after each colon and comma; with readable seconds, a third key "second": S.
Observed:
{"hour": 9, "minute": 50}
